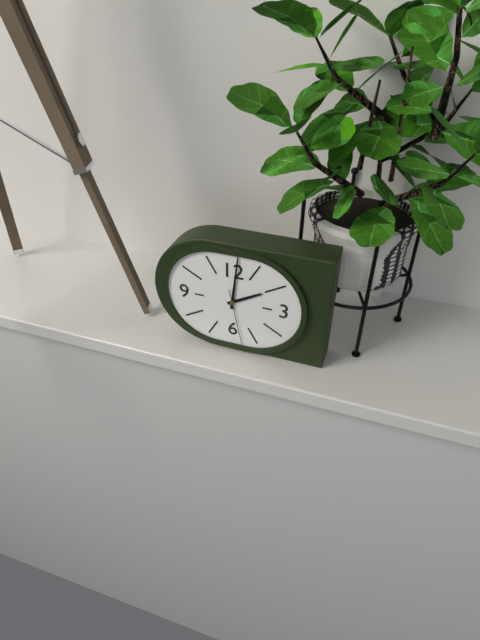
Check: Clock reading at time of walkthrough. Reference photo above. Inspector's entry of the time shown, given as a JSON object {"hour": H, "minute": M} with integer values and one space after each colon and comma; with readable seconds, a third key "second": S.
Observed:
{"hour": 2, "minute": 1, "second": 28}
